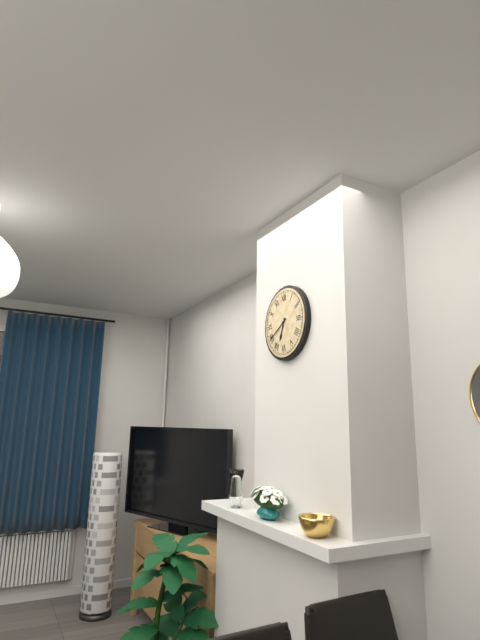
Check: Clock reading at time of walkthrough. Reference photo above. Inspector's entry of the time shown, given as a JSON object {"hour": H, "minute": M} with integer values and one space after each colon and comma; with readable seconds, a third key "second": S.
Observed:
{"hour": 6, "minute": 40}
